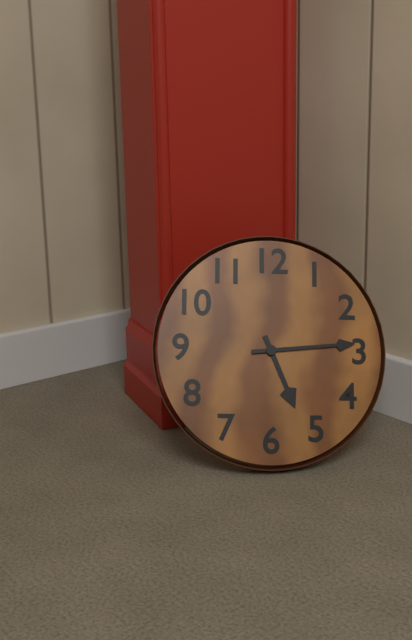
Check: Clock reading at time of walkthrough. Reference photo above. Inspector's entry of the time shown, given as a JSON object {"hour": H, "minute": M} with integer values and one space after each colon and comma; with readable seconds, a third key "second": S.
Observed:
{"hour": 5, "minute": 14}
